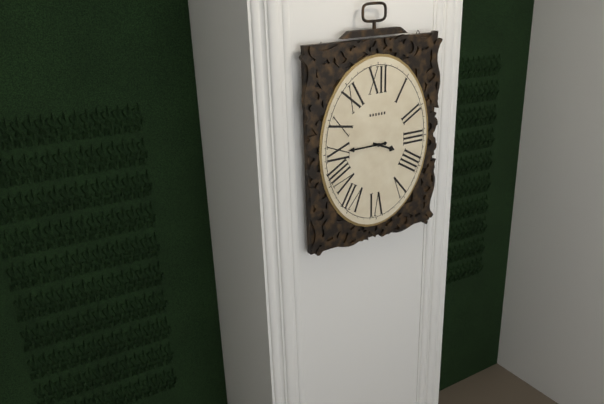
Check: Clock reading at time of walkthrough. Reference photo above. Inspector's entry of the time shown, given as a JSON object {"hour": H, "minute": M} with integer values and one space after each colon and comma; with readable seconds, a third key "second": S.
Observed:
{"hour": 3, "minute": 45}
